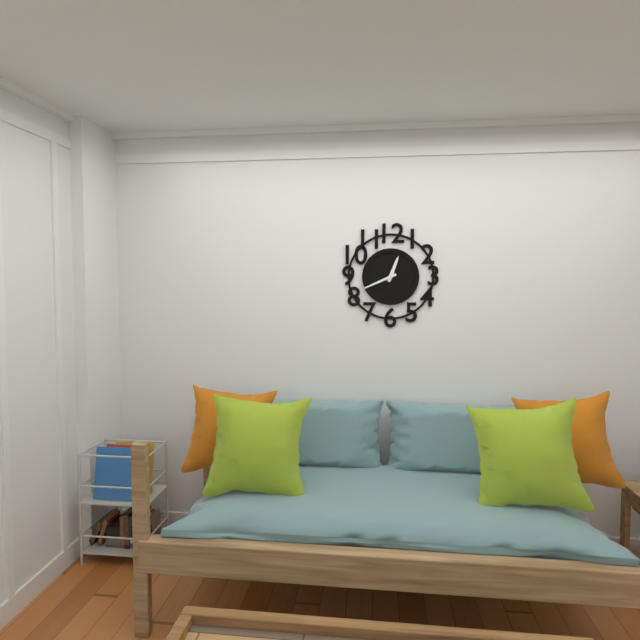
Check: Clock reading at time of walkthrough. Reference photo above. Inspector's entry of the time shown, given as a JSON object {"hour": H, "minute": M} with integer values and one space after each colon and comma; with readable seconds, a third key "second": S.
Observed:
{"hour": 12, "minute": 41}
